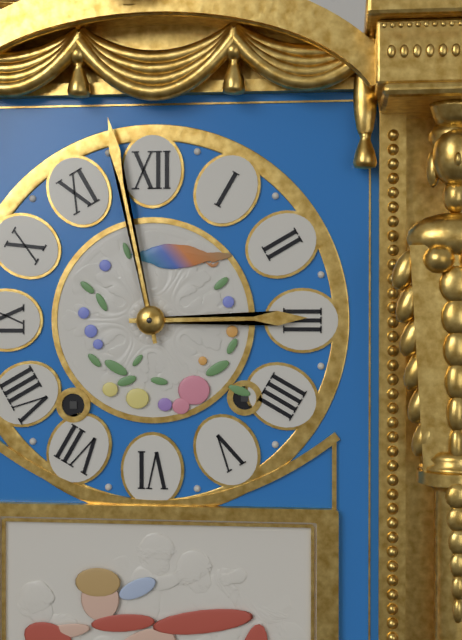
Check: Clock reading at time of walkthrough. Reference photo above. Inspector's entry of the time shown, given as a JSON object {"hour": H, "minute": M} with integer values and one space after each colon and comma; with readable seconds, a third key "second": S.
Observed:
{"hour": 2, "minute": 58}
